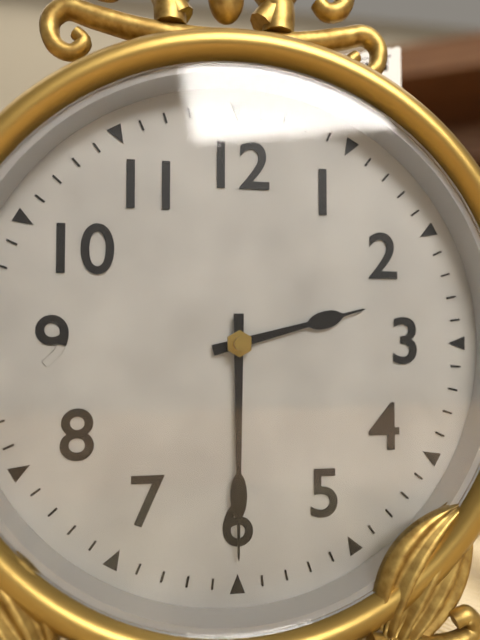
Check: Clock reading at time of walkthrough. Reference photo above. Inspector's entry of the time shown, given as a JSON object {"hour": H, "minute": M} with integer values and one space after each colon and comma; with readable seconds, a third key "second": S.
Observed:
{"hour": 2, "minute": 30}
